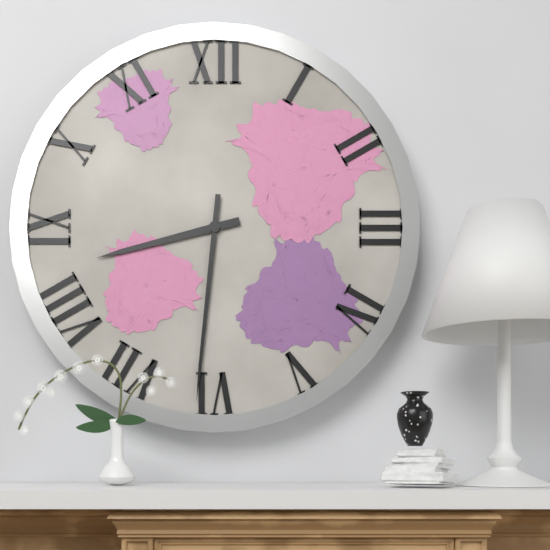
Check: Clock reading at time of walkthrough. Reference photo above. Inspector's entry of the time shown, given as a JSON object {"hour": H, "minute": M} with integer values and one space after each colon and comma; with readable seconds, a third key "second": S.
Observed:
{"hour": 8, "minute": 31}
